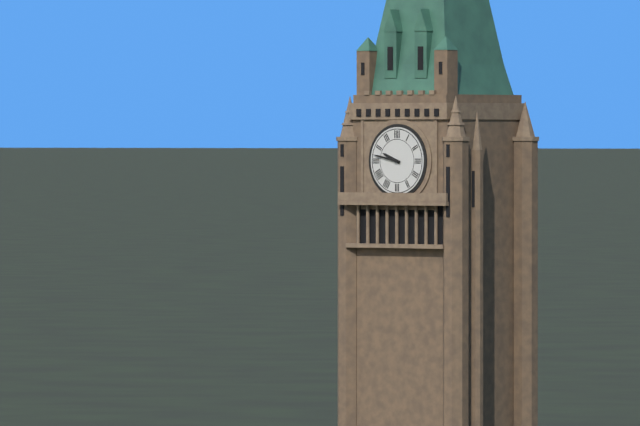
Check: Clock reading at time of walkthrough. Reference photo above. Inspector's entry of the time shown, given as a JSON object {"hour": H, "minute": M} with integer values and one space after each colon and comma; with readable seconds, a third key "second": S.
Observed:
{"hour": 9, "minute": 47}
